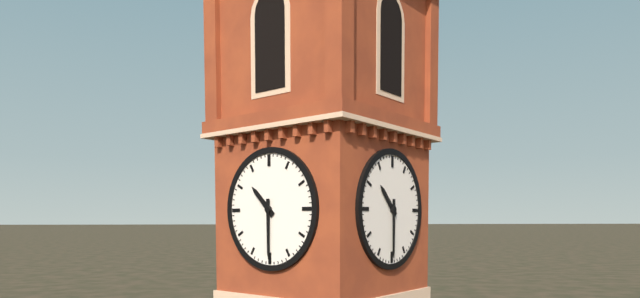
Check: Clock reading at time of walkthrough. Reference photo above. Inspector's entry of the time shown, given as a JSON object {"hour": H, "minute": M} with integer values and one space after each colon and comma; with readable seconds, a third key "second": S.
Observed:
{"hour": 10, "minute": 30}
